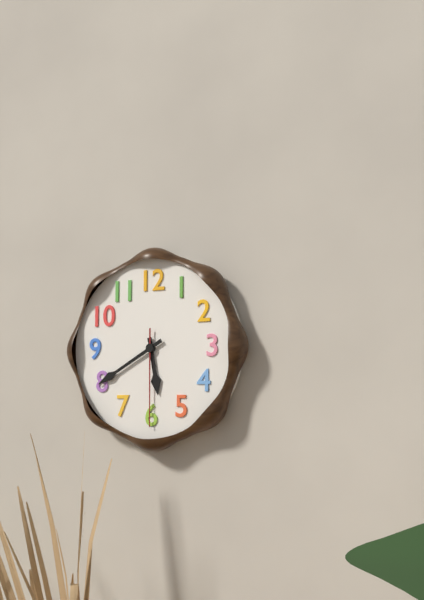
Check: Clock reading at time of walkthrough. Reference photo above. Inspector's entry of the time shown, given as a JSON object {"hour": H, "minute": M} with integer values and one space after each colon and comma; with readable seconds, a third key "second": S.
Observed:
{"hour": 5, "minute": 40, "second": 30}
